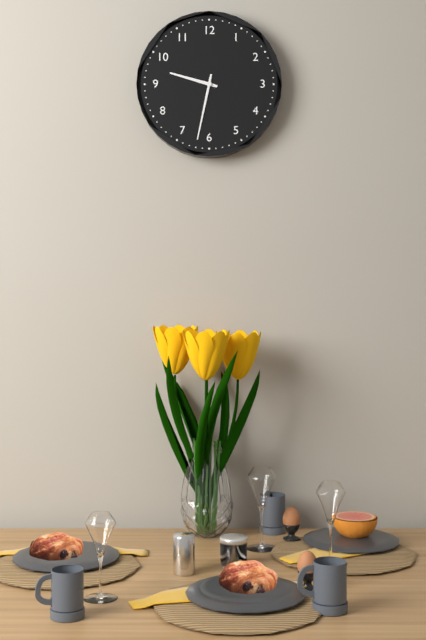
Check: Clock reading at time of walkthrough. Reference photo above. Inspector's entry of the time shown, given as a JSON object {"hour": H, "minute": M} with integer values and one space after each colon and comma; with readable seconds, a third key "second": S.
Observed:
{"hour": 9, "minute": 32}
